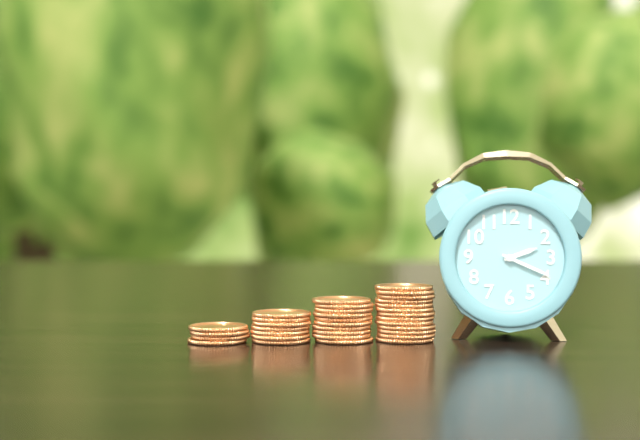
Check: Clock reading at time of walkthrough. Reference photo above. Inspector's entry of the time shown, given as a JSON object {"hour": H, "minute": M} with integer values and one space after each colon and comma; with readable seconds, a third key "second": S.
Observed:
{"hour": 2, "minute": 19}
